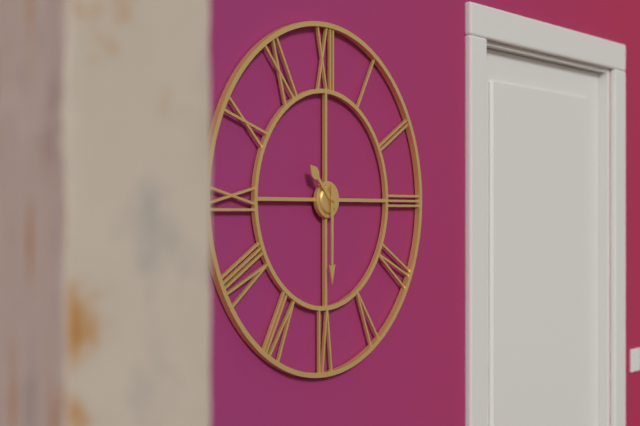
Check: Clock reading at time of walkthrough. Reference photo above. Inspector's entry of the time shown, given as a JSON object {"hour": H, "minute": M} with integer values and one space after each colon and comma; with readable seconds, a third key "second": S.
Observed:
{"hour": 10, "minute": 30}
